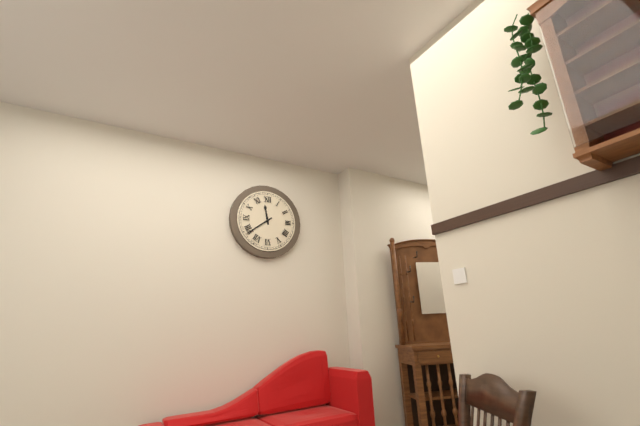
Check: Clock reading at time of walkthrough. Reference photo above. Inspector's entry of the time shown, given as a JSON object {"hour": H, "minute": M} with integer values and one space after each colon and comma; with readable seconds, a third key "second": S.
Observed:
{"hour": 11, "minute": 39}
